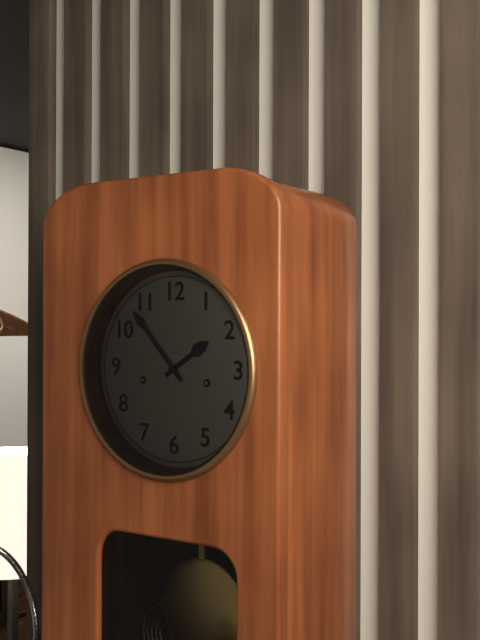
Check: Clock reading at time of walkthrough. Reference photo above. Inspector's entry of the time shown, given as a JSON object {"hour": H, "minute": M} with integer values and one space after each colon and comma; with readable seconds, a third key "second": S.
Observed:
{"hour": 1, "minute": 53}
